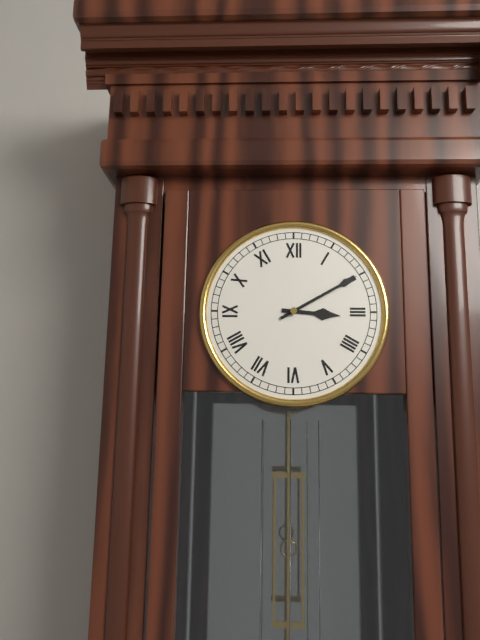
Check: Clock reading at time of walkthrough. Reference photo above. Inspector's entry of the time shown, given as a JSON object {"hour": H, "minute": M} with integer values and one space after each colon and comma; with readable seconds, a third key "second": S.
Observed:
{"hour": 3, "minute": 10}
